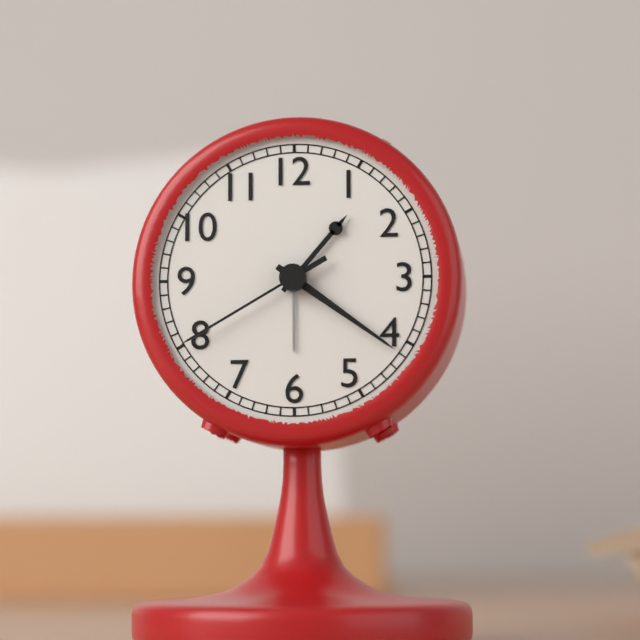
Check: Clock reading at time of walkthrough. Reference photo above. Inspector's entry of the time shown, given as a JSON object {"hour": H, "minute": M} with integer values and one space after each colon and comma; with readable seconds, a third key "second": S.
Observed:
{"hour": 1, "minute": 21, "second": 40}
